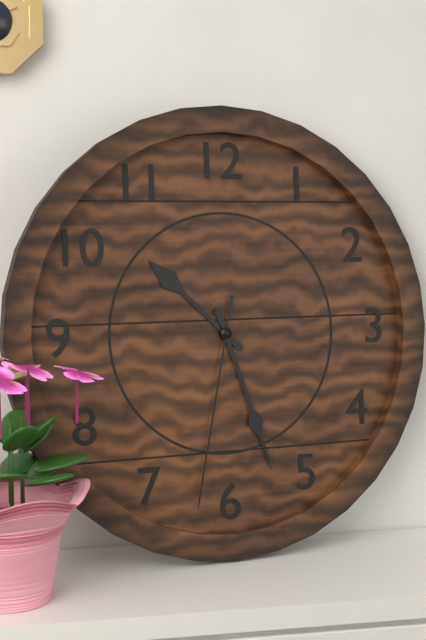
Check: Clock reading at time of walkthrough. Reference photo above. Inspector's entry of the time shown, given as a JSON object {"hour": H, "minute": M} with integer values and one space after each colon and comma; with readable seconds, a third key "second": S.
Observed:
{"hour": 10, "minute": 27, "second": 32}
